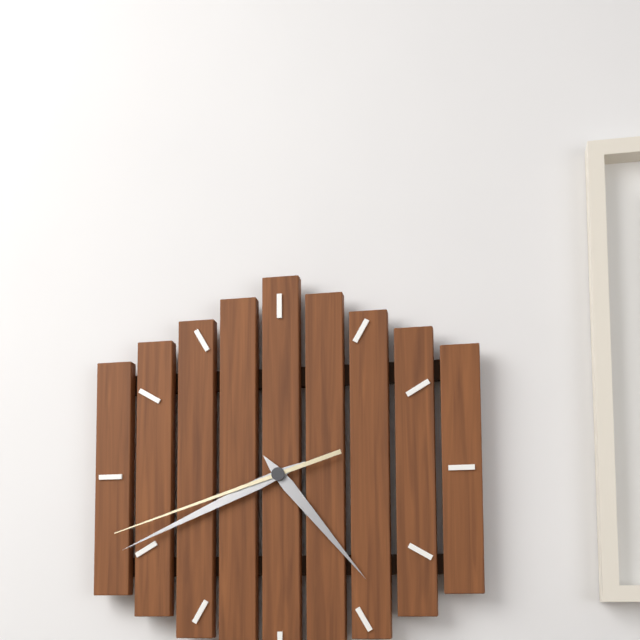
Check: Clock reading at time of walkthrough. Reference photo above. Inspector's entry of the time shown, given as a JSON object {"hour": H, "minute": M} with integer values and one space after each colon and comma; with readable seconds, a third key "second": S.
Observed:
{"hour": 4, "minute": 41, "second": 42}
